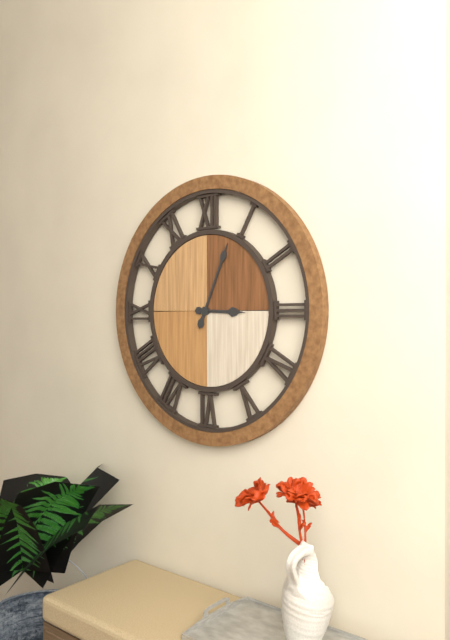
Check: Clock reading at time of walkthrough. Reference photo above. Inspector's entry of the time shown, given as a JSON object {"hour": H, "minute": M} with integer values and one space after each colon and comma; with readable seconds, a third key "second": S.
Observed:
{"hour": 3, "minute": 4}
